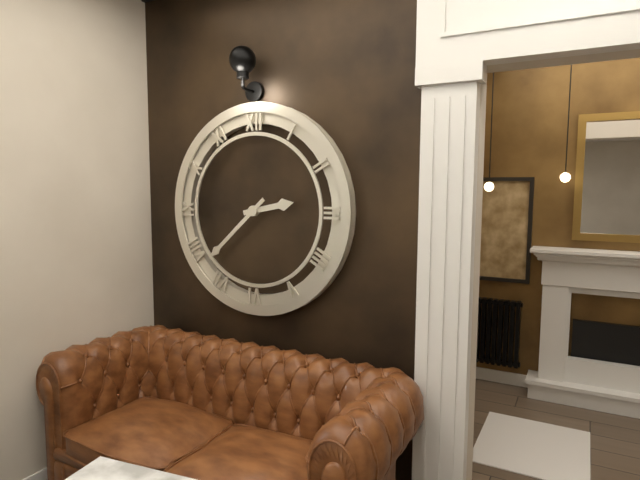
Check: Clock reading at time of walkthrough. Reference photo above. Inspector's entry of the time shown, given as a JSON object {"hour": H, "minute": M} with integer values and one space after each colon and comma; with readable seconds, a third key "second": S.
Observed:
{"hour": 2, "minute": 38}
